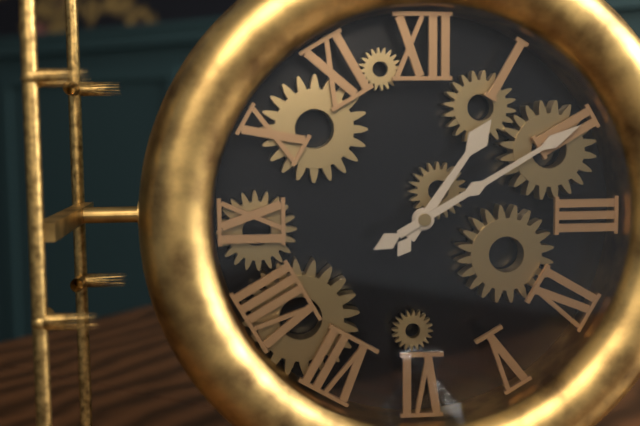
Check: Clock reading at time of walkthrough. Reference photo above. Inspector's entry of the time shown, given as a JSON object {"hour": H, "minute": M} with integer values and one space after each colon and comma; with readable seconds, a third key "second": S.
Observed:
{"hour": 1, "minute": 10}
